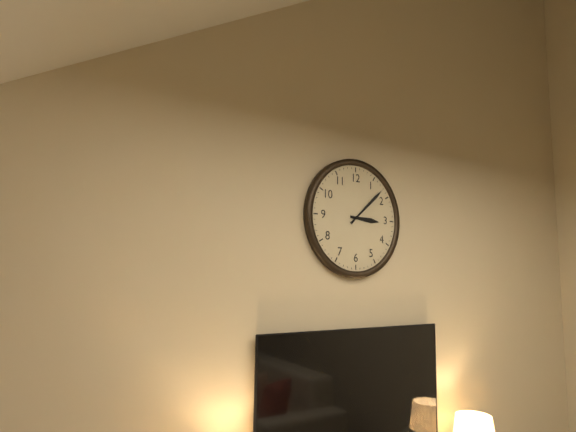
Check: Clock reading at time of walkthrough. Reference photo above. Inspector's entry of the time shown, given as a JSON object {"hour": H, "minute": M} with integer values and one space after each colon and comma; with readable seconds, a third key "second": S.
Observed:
{"hour": 3, "minute": 8}
